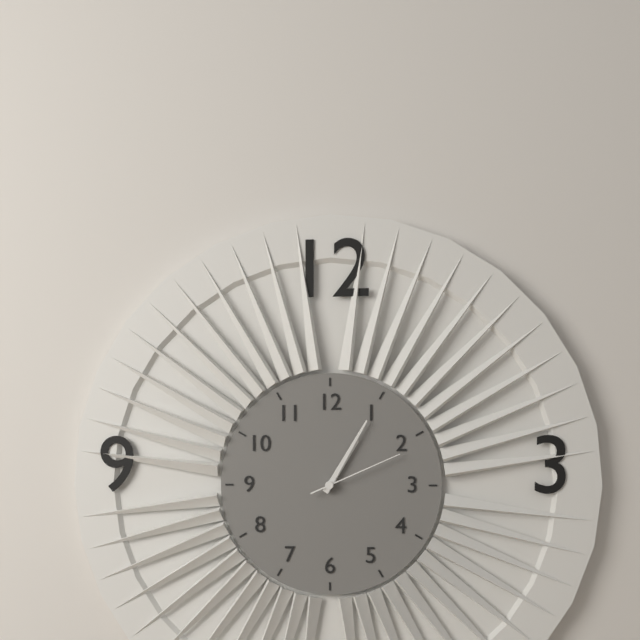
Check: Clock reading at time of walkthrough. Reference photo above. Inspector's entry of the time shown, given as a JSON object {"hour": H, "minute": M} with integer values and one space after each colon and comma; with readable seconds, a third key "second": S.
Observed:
{"hour": 1, "minute": 5, "second": 11}
